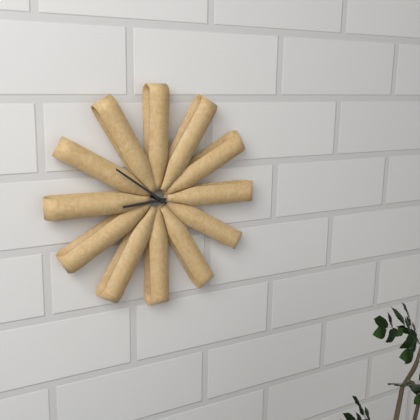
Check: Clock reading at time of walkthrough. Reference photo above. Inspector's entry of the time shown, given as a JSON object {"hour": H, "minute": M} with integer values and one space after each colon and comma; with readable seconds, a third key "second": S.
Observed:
{"hour": 8, "minute": 51}
